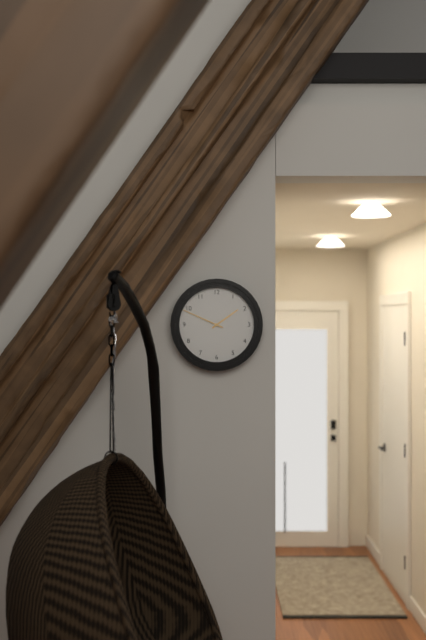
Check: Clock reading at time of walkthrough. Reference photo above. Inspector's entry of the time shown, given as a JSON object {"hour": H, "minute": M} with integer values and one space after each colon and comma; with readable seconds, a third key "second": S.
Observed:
{"hour": 1, "minute": 49}
